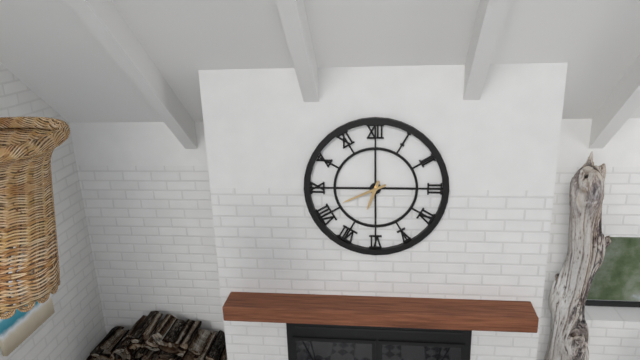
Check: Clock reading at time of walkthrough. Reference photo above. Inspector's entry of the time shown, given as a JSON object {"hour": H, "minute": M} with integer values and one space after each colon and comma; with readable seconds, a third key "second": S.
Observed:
{"hour": 6, "minute": 41}
